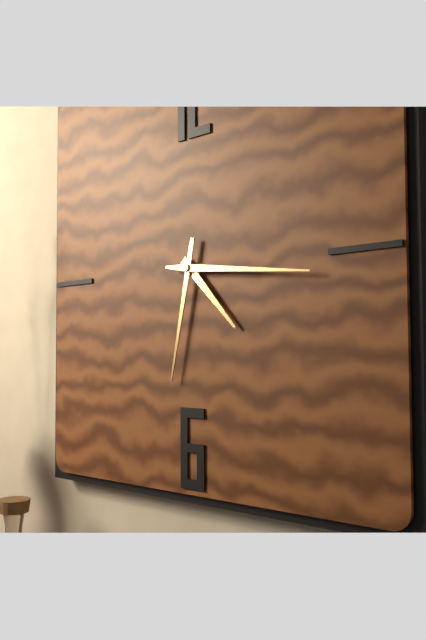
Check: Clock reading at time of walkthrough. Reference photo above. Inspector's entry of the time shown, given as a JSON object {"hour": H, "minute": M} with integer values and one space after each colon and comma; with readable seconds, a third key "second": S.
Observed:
{"hour": 4, "minute": 32, "second": 16}
